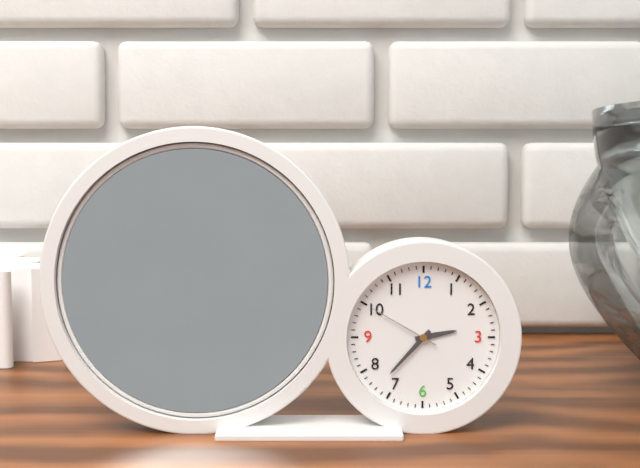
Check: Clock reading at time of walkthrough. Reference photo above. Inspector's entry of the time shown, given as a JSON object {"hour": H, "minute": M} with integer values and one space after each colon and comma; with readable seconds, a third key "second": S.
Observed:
{"hour": 2, "minute": 37, "second": 50}
